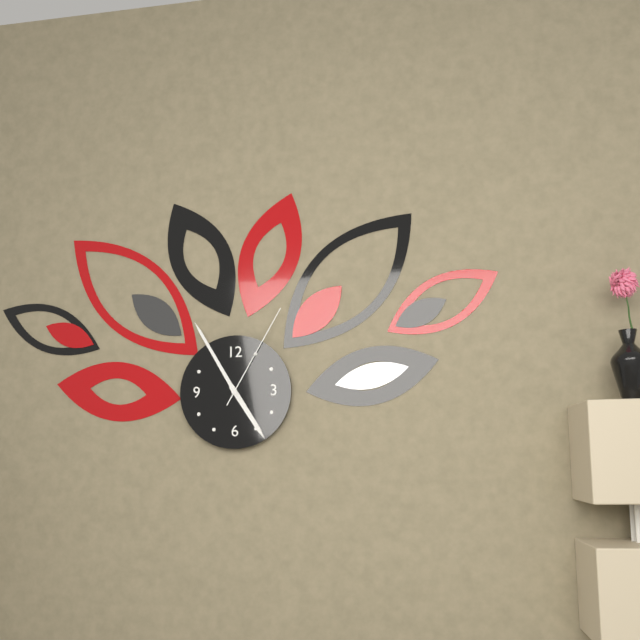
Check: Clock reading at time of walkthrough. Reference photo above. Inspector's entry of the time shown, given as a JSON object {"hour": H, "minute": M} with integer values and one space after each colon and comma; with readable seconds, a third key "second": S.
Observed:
{"hour": 4, "minute": 55, "second": 5}
